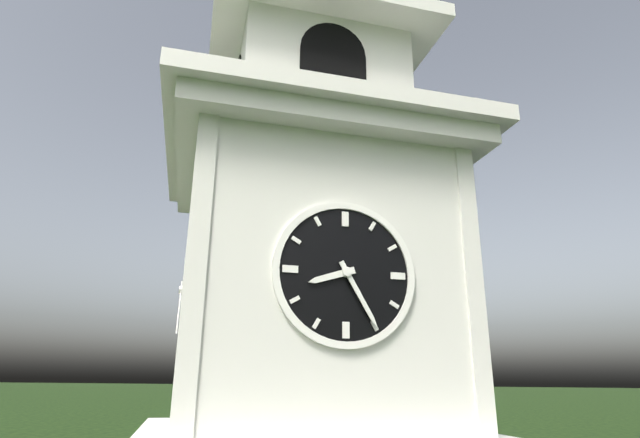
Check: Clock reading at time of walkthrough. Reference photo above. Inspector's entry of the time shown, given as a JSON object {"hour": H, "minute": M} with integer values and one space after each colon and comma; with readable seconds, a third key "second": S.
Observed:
{"hour": 8, "minute": 25}
